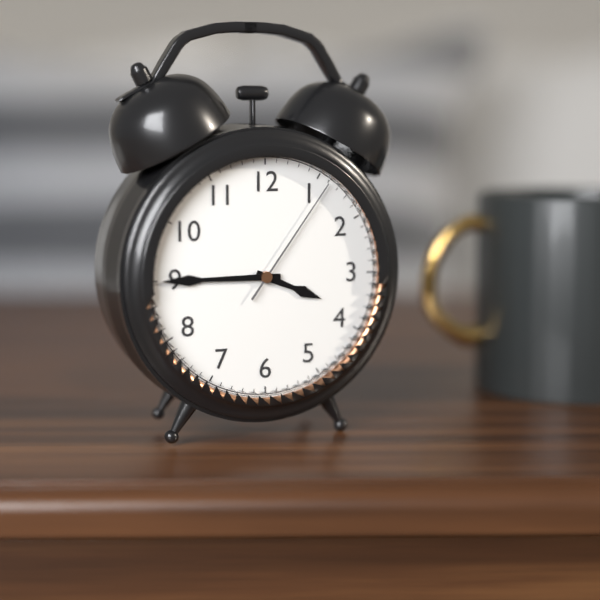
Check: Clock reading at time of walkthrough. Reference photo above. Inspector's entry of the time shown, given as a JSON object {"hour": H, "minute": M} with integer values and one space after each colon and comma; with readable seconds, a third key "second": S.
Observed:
{"hour": 3, "minute": 45, "second": 6}
